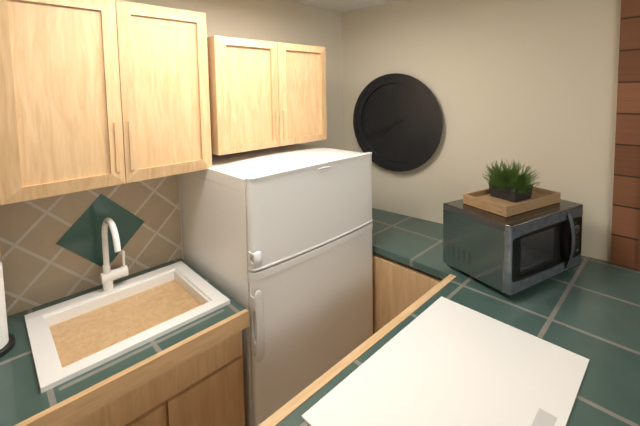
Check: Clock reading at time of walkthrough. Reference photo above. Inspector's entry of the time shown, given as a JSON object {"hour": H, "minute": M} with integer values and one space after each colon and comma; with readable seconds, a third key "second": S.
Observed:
{"hour": 7, "minute": 41}
